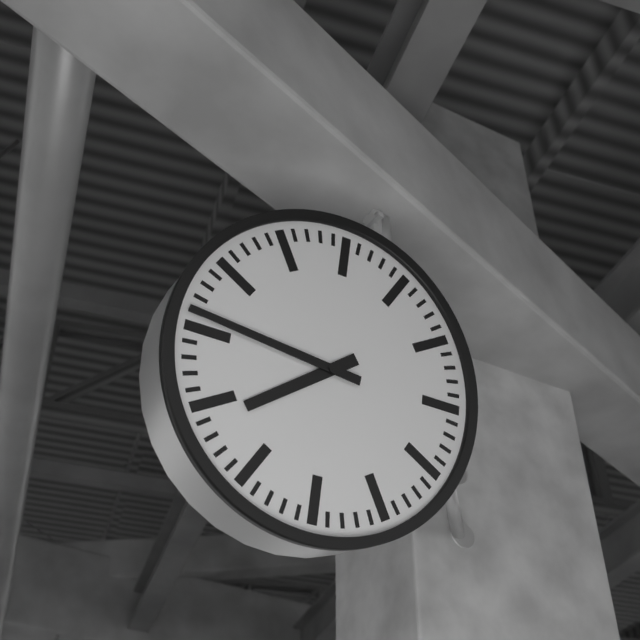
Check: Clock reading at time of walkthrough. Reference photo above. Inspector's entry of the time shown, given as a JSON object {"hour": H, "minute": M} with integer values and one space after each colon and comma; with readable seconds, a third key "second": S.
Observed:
{"hour": 7, "minute": 46}
